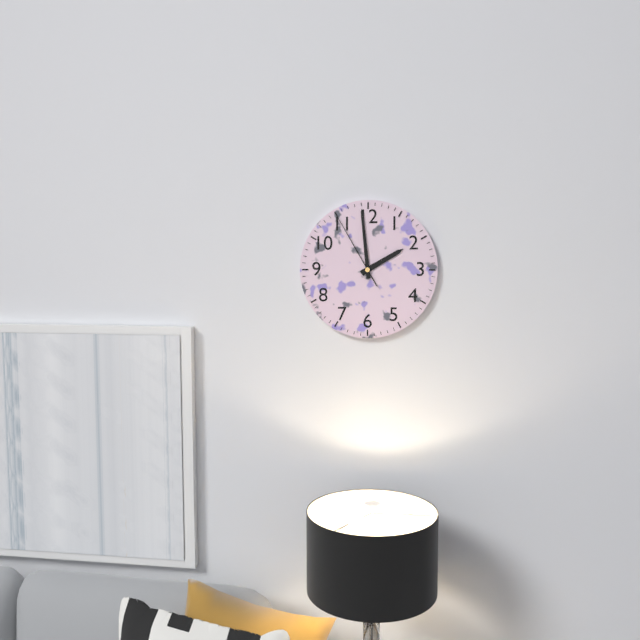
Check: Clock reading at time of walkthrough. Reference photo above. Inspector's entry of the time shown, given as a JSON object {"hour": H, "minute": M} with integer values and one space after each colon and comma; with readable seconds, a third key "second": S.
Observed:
{"hour": 1, "minute": 59, "second": 55}
